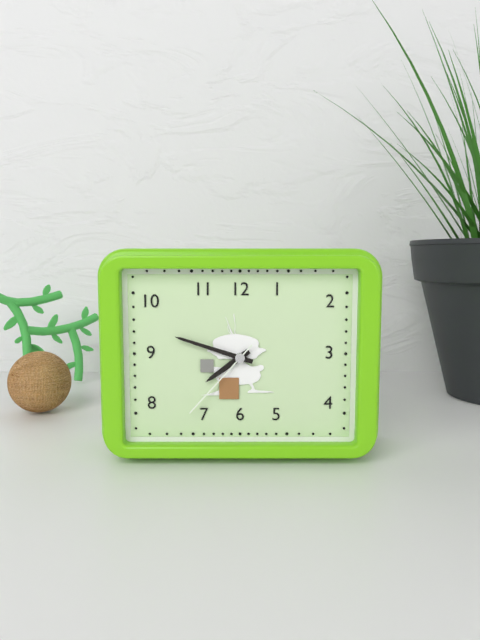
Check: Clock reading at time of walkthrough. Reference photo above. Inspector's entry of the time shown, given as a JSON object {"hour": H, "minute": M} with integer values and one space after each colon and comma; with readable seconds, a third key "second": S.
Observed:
{"hour": 7, "minute": 48, "second": 37}
